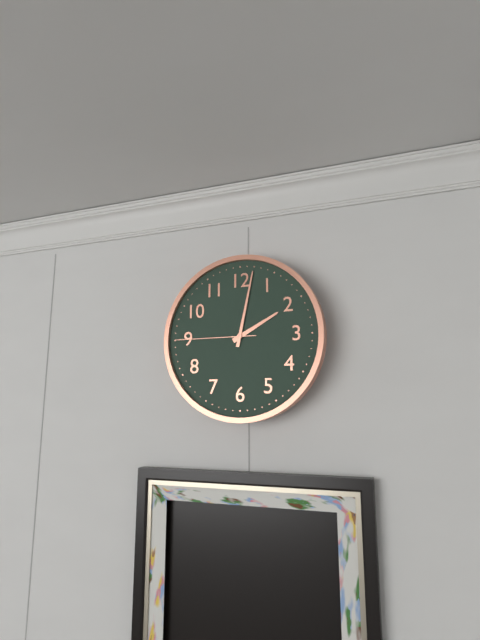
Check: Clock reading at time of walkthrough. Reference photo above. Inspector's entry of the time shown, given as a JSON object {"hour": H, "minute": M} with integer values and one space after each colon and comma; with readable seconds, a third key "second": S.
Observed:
{"hour": 2, "minute": 2, "second": 45}
